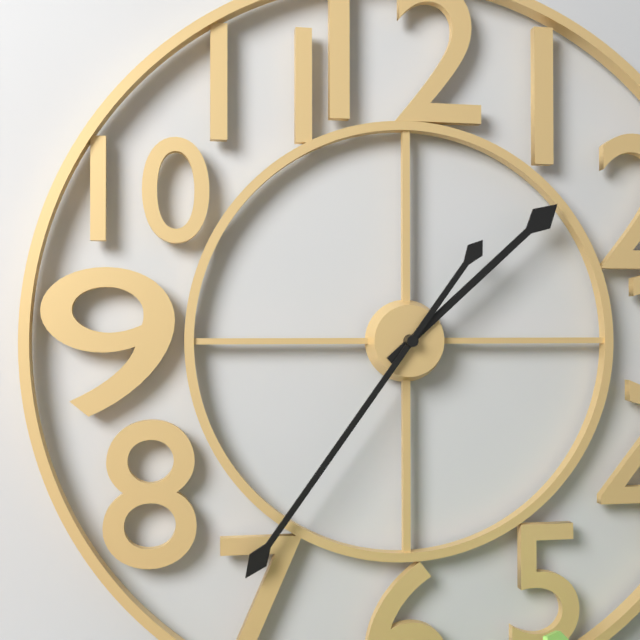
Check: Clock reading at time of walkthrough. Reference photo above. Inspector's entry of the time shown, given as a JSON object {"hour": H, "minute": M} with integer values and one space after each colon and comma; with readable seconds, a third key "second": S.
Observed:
{"hour": 1, "minute": 36}
